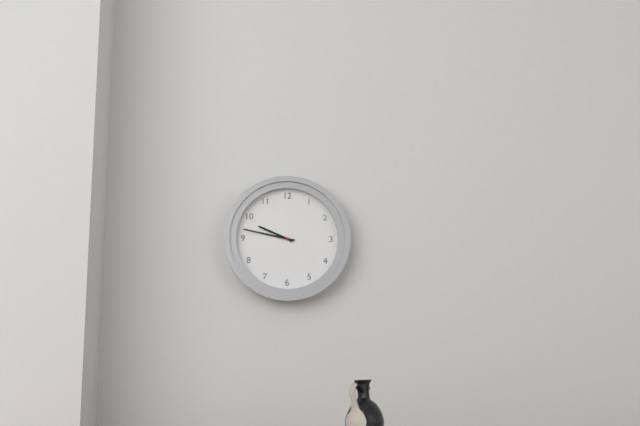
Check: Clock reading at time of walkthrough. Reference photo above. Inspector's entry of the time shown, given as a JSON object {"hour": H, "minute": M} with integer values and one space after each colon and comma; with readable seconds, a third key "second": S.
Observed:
{"hour": 9, "minute": 47}
